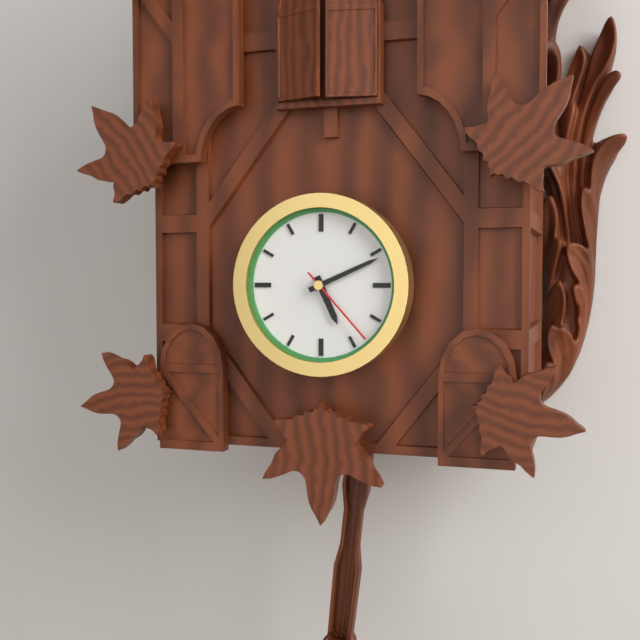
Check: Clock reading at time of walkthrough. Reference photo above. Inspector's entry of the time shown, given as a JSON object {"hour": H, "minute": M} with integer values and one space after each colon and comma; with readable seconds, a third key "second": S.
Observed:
{"hour": 5, "minute": 11, "second": 23}
